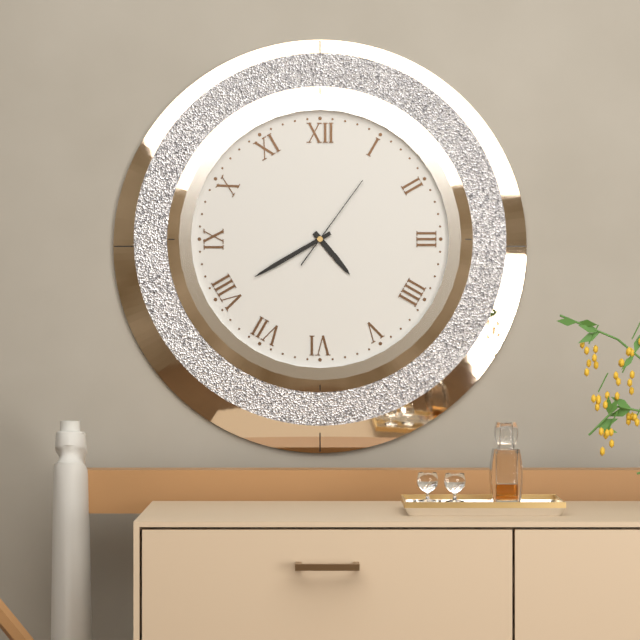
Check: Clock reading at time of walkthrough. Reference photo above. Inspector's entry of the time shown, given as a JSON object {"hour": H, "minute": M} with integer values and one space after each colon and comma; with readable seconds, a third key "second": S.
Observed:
{"hour": 4, "minute": 40, "second": 6}
